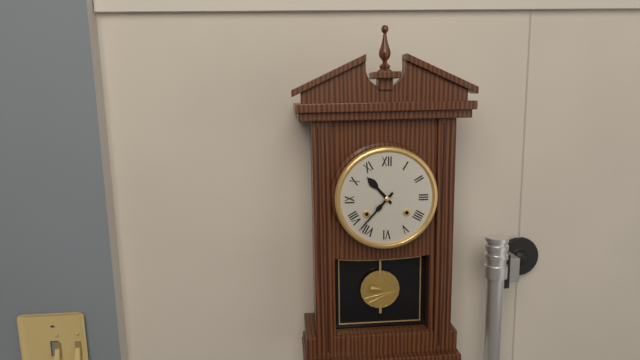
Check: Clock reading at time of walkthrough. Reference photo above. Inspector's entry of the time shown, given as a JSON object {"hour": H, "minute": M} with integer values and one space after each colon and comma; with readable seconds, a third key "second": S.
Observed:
{"hour": 10, "minute": 37}
